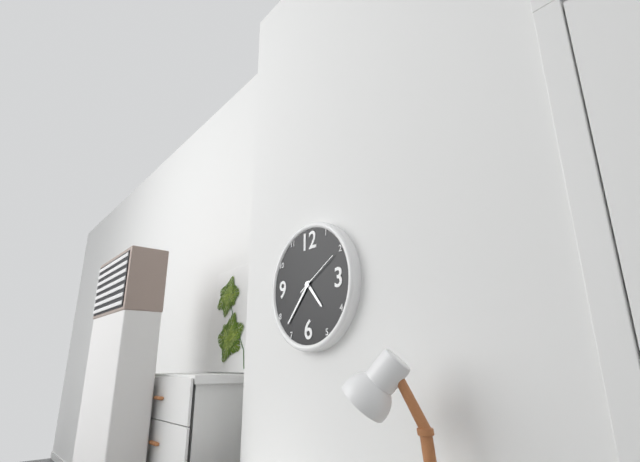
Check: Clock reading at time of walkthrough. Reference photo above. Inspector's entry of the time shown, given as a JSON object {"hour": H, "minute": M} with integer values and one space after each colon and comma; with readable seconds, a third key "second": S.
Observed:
{"hour": 4, "minute": 37}
